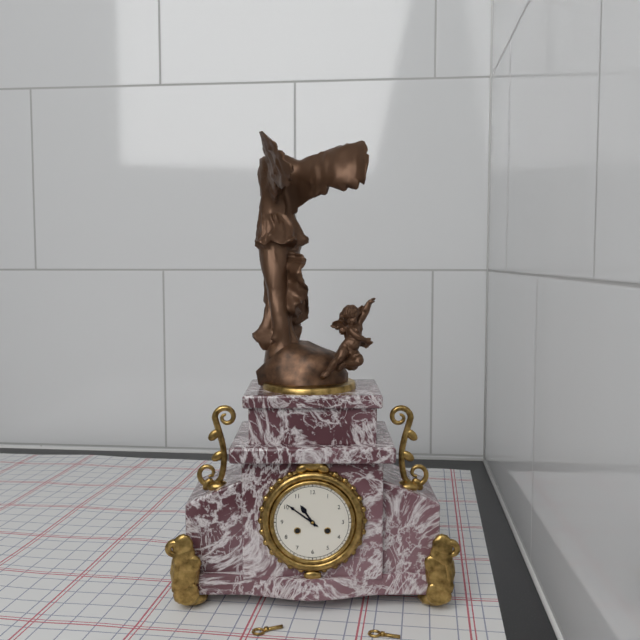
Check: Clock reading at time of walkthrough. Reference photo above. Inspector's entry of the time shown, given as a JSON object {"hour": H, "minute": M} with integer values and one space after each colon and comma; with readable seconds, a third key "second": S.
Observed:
{"hour": 10, "minute": 51}
